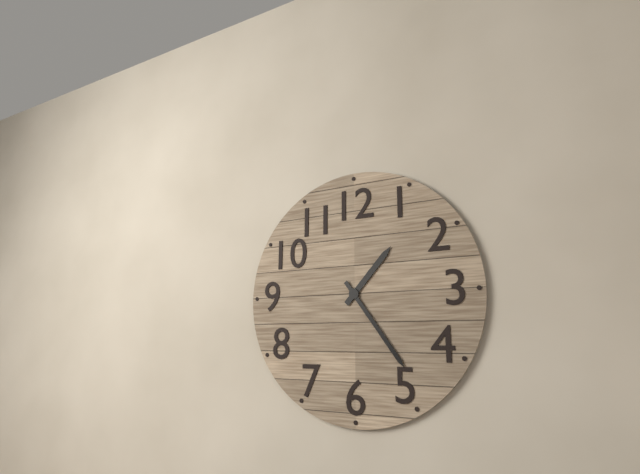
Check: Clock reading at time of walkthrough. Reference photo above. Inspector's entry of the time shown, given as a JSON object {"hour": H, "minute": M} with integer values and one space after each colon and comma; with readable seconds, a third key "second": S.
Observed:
{"hour": 1, "minute": 24}
